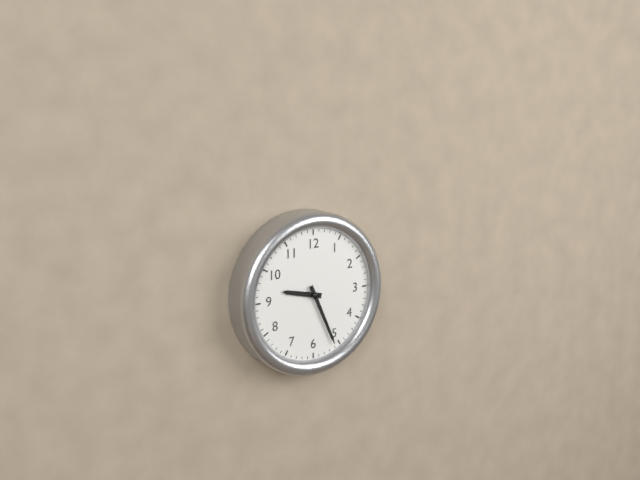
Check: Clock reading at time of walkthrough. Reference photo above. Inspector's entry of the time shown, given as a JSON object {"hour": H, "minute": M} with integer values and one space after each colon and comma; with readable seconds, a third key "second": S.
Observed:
{"hour": 9, "minute": 26}
